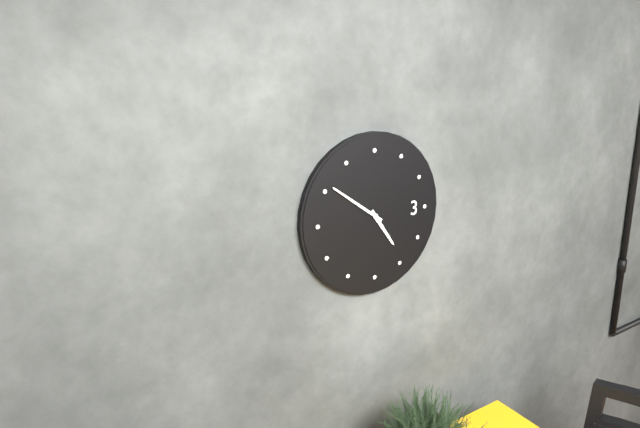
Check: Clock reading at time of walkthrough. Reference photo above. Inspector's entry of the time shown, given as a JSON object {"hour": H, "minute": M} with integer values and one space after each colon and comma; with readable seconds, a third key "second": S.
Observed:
{"hour": 4, "minute": 51}
